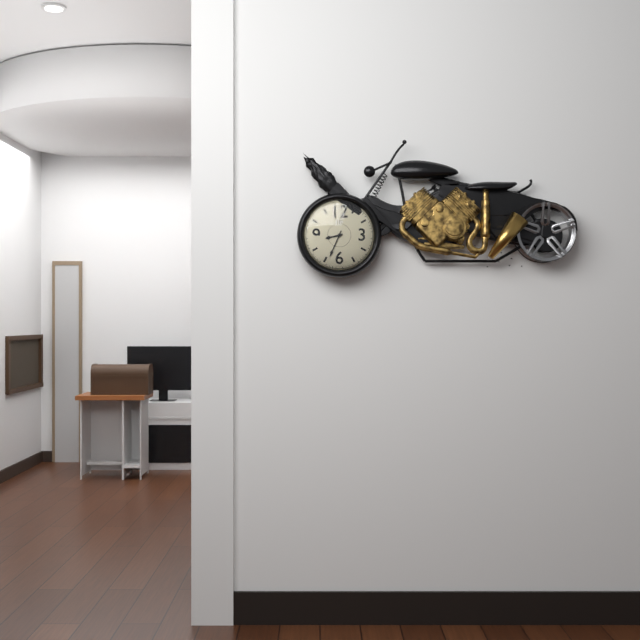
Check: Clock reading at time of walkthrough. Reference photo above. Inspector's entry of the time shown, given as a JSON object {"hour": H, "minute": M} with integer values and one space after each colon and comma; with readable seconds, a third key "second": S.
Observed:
{"hour": 8, "minute": 34}
